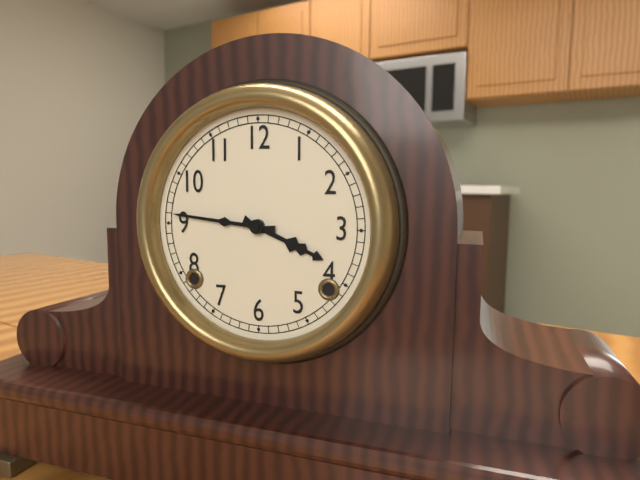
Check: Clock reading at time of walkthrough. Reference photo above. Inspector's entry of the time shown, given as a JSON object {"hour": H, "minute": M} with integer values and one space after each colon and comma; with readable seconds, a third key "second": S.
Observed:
{"hour": 3, "minute": 46}
